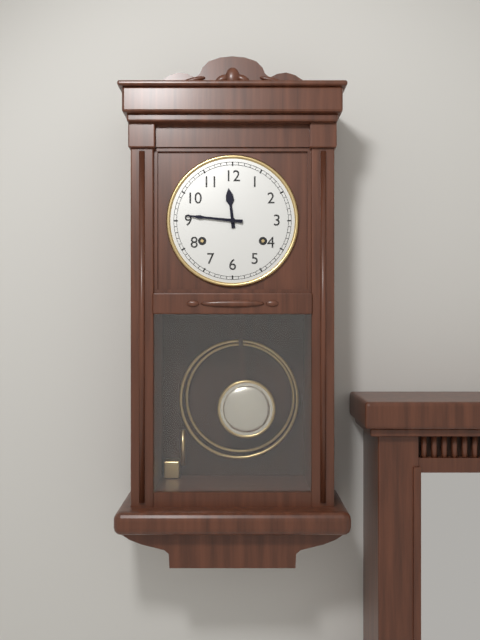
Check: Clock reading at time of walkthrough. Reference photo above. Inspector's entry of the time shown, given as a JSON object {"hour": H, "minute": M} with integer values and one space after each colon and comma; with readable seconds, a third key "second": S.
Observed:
{"hour": 11, "minute": 46}
